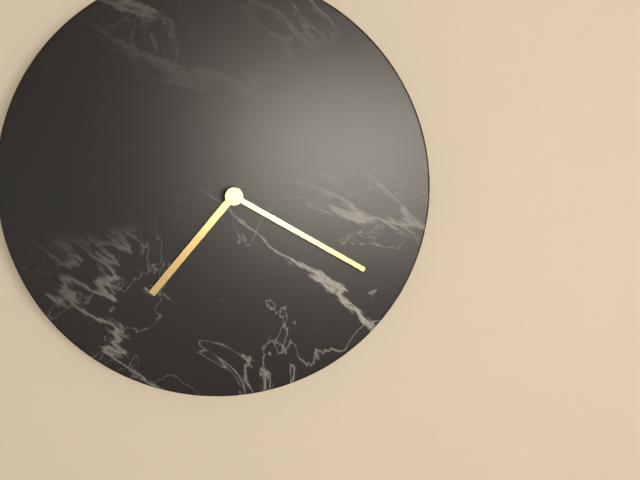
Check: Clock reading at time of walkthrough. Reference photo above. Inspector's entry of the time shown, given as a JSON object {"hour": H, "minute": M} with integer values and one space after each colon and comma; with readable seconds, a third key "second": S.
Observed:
{"hour": 7, "minute": 20}
